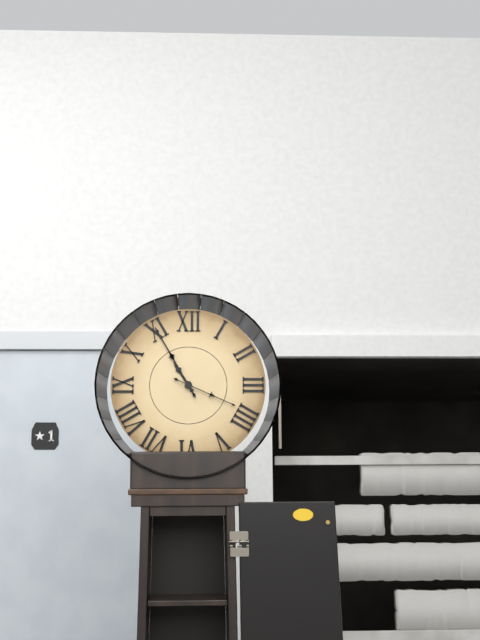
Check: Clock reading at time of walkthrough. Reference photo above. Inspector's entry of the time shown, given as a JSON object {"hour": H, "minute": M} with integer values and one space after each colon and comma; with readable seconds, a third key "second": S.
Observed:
{"hour": 10, "minute": 55, "second": 19}
